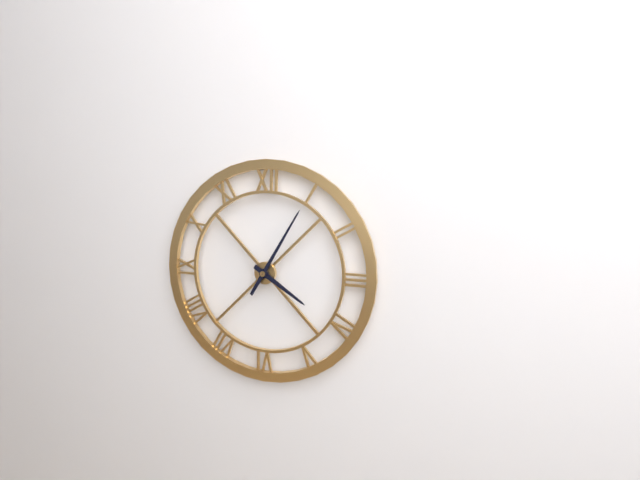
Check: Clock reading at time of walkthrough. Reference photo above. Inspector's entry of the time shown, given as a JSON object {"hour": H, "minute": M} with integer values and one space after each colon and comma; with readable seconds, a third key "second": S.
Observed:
{"hour": 4, "minute": 5}
